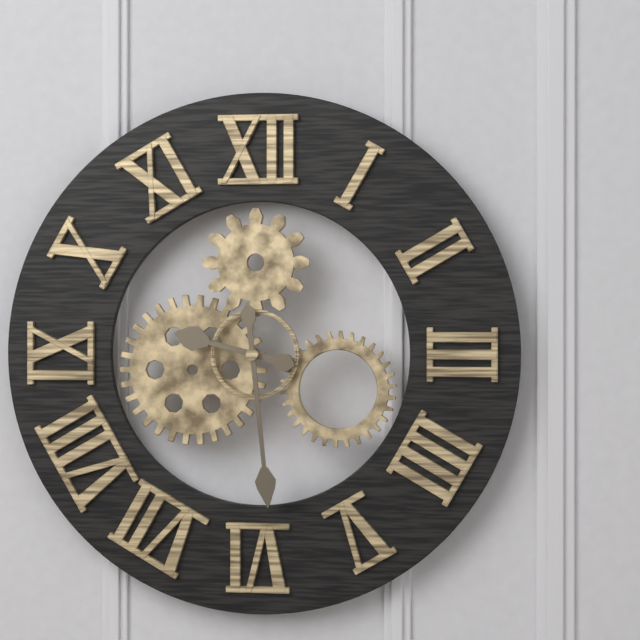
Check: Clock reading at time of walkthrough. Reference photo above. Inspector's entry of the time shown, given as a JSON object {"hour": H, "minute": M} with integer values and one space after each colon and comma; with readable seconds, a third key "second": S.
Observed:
{"hour": 9, "minute": 29}
